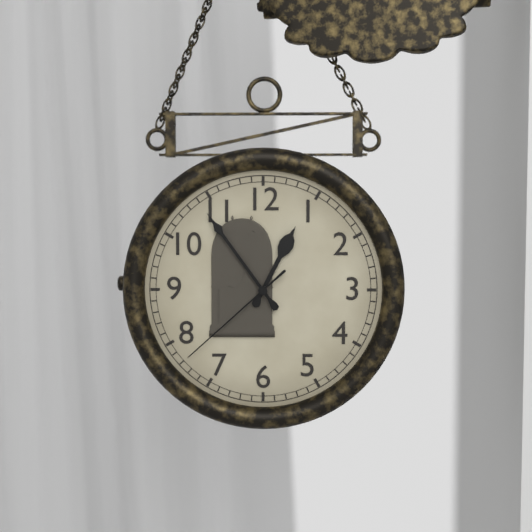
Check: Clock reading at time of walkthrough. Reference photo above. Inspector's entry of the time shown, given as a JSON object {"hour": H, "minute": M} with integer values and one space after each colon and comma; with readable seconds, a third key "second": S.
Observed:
{"hour": 12, "minute": 54, "second": 38}
